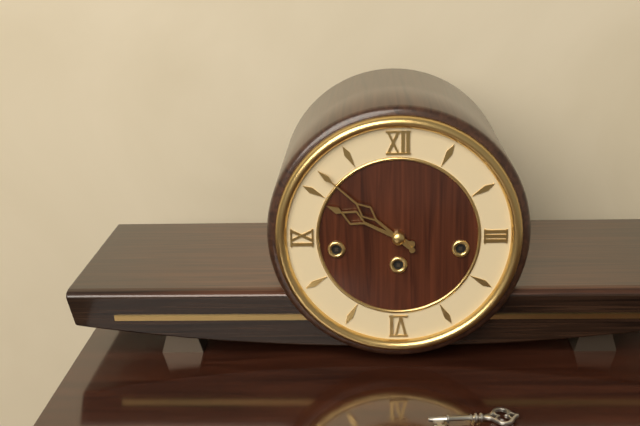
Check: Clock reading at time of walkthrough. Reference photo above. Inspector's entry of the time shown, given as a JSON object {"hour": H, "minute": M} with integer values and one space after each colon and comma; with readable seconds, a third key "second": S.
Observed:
{"hour": 9, "minute": 52}
